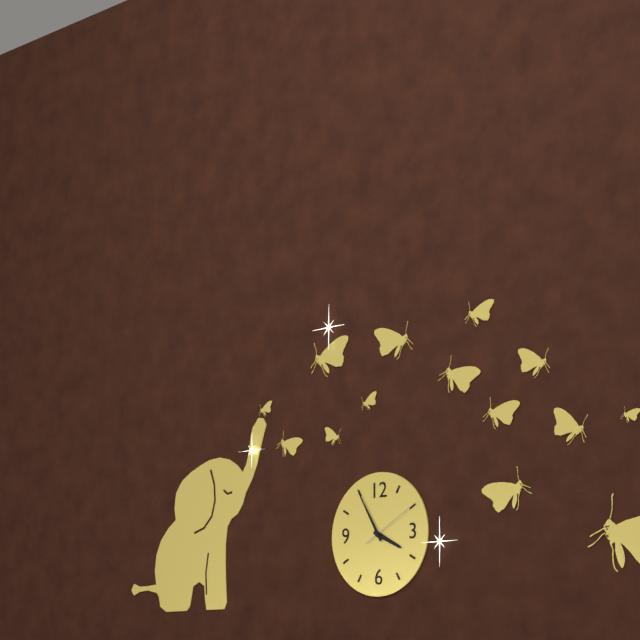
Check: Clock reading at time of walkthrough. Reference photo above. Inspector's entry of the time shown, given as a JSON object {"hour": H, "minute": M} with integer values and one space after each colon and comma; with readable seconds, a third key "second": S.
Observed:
{"hour": 3, "minute": 55, "second": 10}
